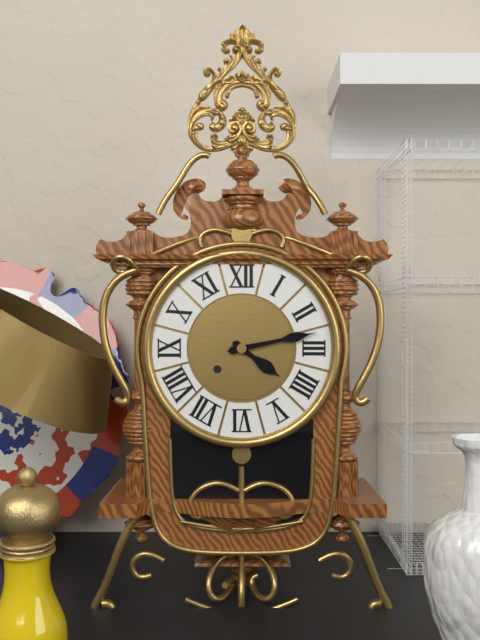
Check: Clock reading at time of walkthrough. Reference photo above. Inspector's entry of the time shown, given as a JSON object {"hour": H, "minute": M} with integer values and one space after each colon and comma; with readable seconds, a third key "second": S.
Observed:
{"hour": 4, "minute": 13}
